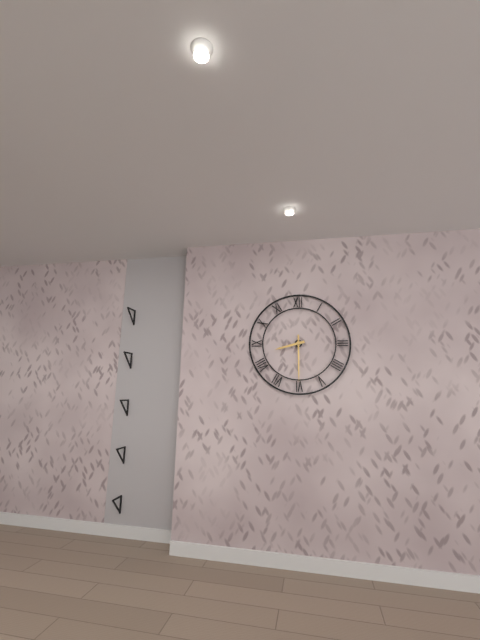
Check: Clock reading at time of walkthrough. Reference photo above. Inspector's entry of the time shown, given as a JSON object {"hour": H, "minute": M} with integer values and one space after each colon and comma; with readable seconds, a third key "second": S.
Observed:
{"hour": 8, "minute": 30}
